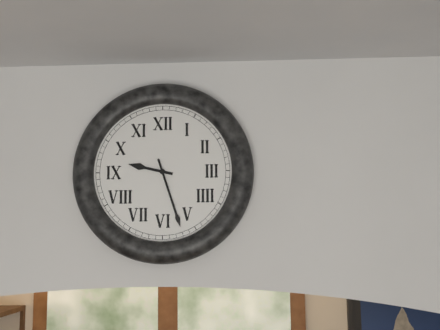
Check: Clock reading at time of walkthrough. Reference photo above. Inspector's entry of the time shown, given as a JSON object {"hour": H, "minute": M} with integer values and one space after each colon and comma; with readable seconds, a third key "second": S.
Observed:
{"hour": 9, "minute": 27}
